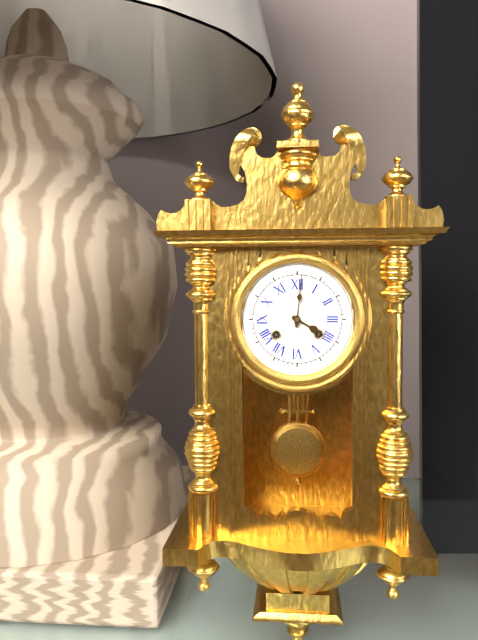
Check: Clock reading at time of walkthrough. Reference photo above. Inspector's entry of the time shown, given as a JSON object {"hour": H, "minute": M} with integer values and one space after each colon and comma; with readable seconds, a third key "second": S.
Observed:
{"hour": 4, "minute": 1}
